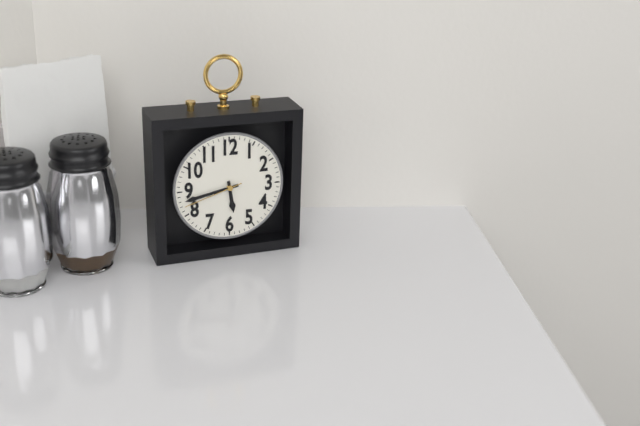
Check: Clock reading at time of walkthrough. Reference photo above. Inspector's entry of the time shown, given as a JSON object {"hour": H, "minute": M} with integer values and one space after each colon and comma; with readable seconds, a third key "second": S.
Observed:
{"hour": 5, "minute": 43, "second": 42}
